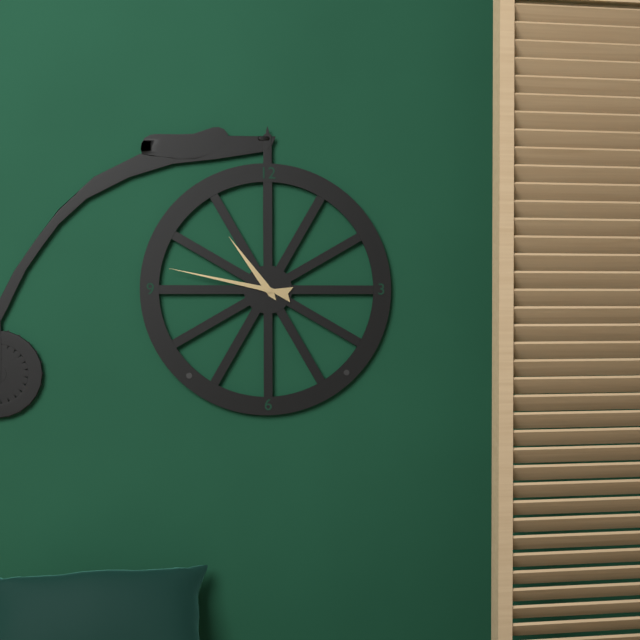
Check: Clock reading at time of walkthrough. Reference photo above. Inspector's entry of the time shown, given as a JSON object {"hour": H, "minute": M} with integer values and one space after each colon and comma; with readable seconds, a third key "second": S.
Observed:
{"hour": 10, "minute": 47}
